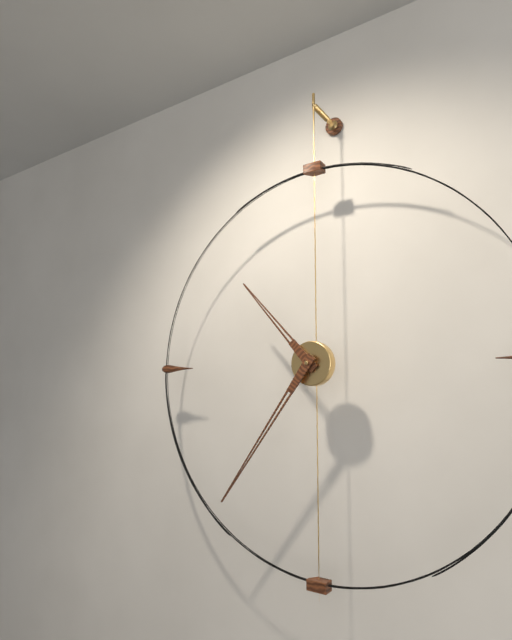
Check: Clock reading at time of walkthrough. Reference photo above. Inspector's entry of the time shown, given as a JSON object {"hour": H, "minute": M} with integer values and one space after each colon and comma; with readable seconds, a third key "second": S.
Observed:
{"hour": 10, "minute": 36}
